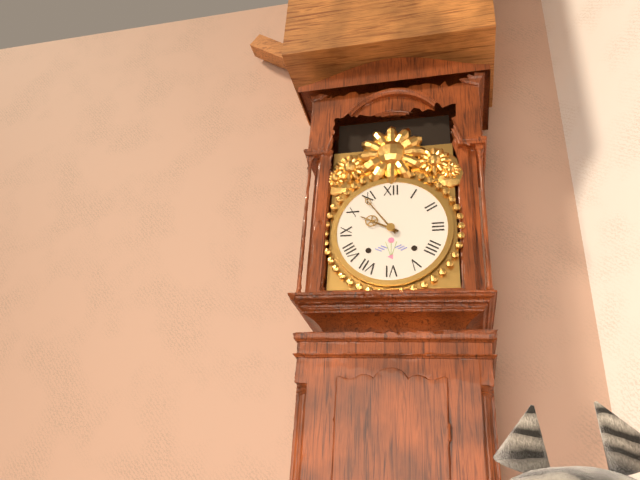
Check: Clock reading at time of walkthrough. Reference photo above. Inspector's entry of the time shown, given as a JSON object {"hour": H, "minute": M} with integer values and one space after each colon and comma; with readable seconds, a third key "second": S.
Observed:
{"hour": 9, "minute": 54}
